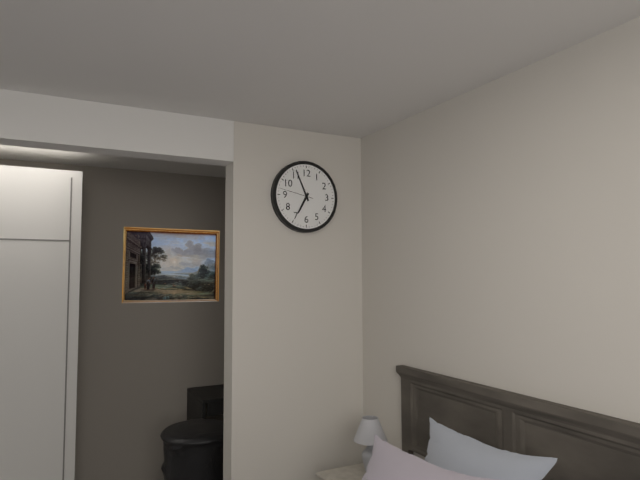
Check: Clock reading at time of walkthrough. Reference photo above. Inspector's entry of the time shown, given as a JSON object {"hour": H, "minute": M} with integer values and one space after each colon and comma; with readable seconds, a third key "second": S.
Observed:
{"hour": 6, "minute": 56}
